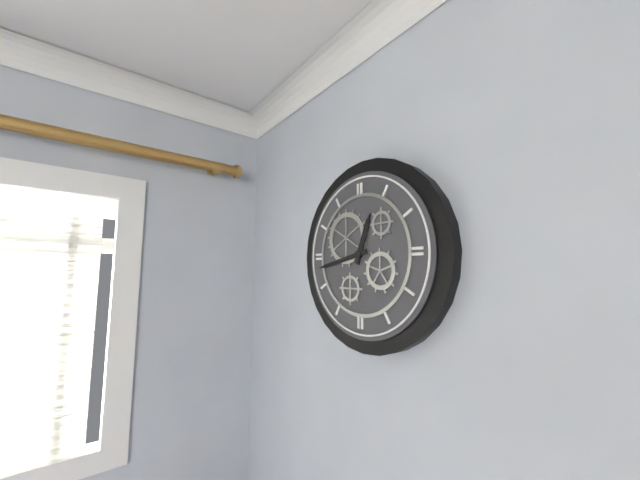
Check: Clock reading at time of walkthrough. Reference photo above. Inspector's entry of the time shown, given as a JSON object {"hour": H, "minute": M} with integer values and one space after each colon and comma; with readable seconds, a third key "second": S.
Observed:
{"hour": 12, "minute": 43}
